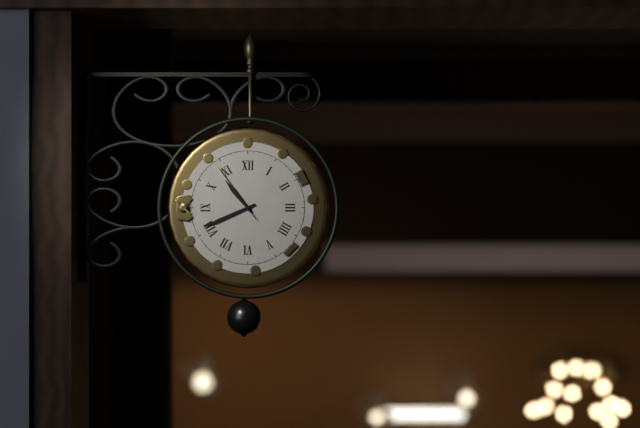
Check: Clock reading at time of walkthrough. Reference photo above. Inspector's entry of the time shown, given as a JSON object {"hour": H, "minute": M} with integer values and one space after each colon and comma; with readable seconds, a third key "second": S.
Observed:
{"hour": 10, "minute": 41, "second": 54}
